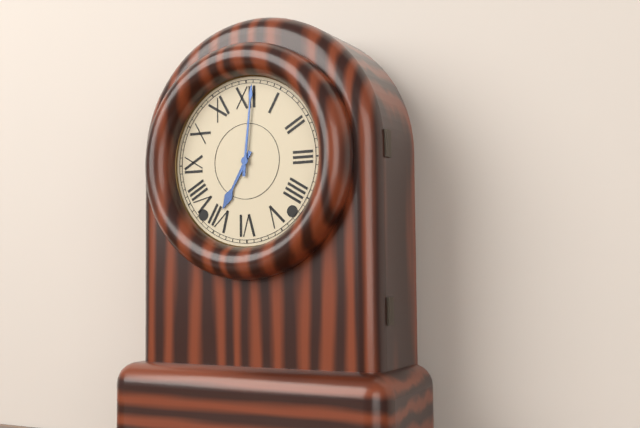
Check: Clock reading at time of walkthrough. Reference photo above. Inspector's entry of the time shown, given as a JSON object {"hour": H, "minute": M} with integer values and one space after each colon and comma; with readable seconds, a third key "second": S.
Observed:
{"hour": 7, "minute": 1}
